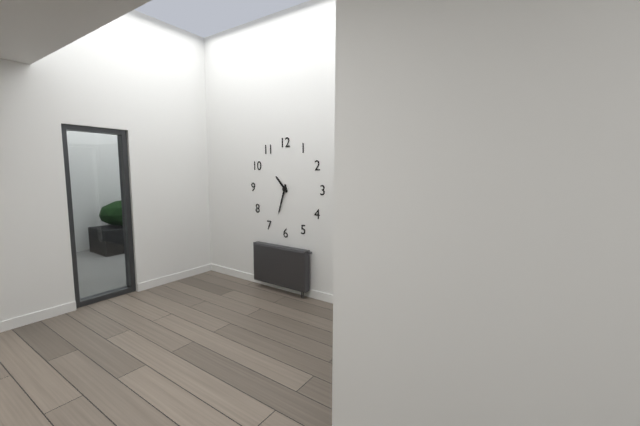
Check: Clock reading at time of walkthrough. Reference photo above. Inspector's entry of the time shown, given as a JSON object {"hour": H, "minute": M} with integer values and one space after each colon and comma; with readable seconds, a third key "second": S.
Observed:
{"hour": 10, "minute": 33}
